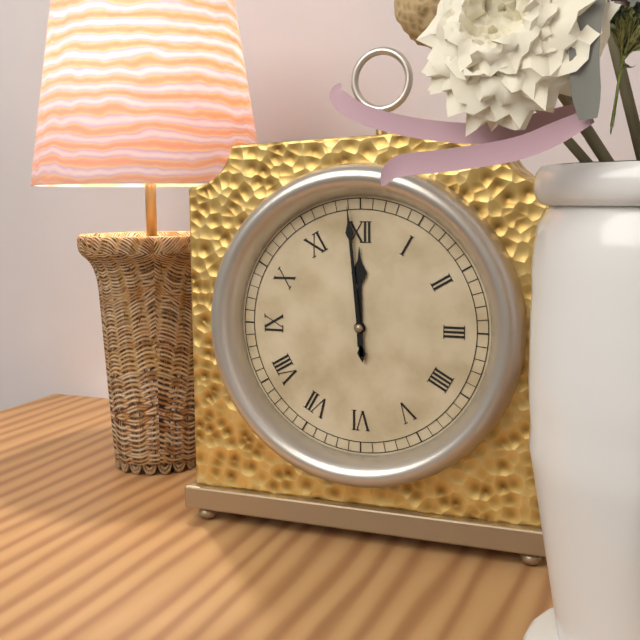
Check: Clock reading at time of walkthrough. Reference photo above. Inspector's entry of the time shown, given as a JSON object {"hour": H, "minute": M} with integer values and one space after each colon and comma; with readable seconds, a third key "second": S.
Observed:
{"hour": 11, "minute": 59}
